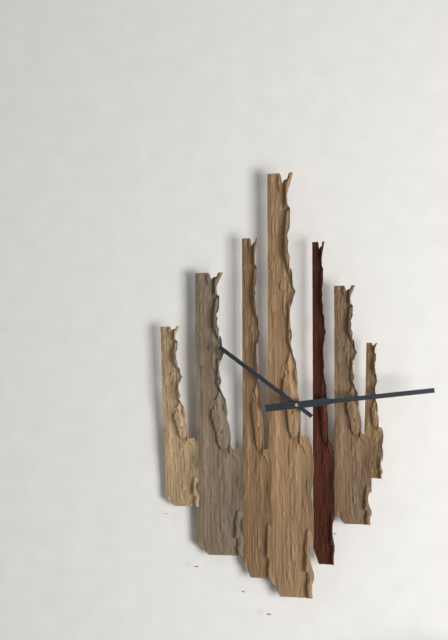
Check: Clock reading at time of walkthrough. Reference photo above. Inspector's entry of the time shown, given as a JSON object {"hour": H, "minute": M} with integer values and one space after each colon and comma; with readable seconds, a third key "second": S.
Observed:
{"hour": 10, "minute": 14}
